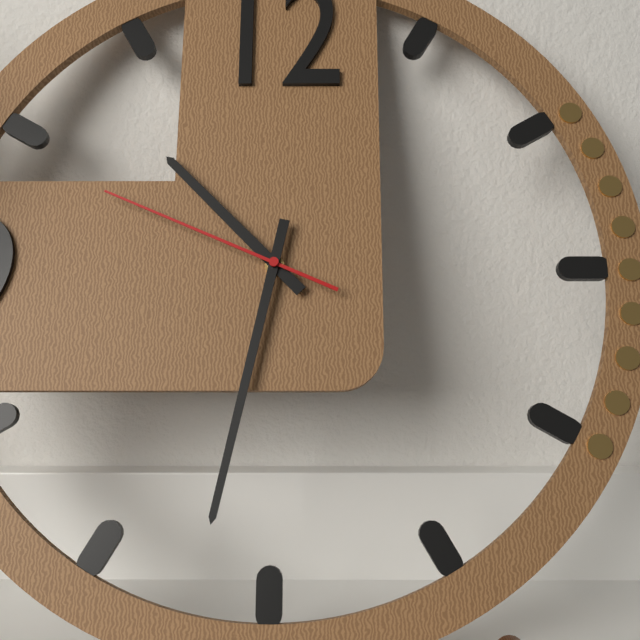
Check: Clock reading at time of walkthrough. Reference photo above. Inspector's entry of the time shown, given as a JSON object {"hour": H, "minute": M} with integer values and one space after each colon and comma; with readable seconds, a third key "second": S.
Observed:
{"hour": 10, "minute": 32, "second": 49}
